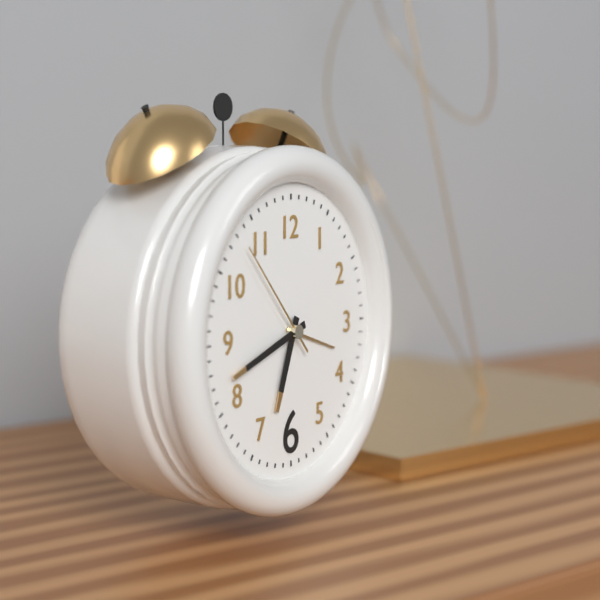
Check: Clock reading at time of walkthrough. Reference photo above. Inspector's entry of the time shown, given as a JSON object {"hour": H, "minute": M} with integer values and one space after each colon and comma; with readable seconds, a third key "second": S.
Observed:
{"hour": 6, "minute": 42, "second": 53}
